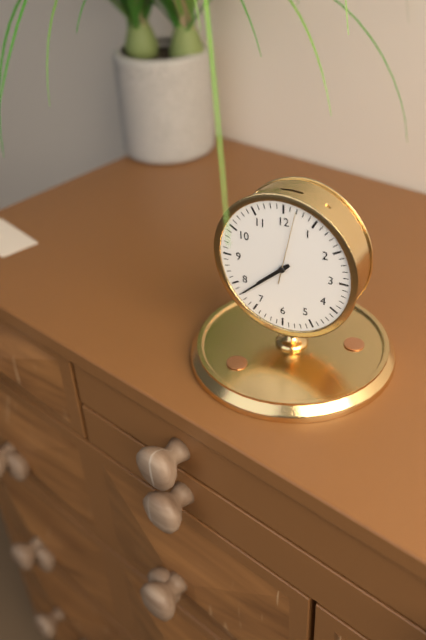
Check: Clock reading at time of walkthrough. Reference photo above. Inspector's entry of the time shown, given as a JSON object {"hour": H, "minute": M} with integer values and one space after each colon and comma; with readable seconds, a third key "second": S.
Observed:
{"hour": 7, "minute": 38, "second": 2}
